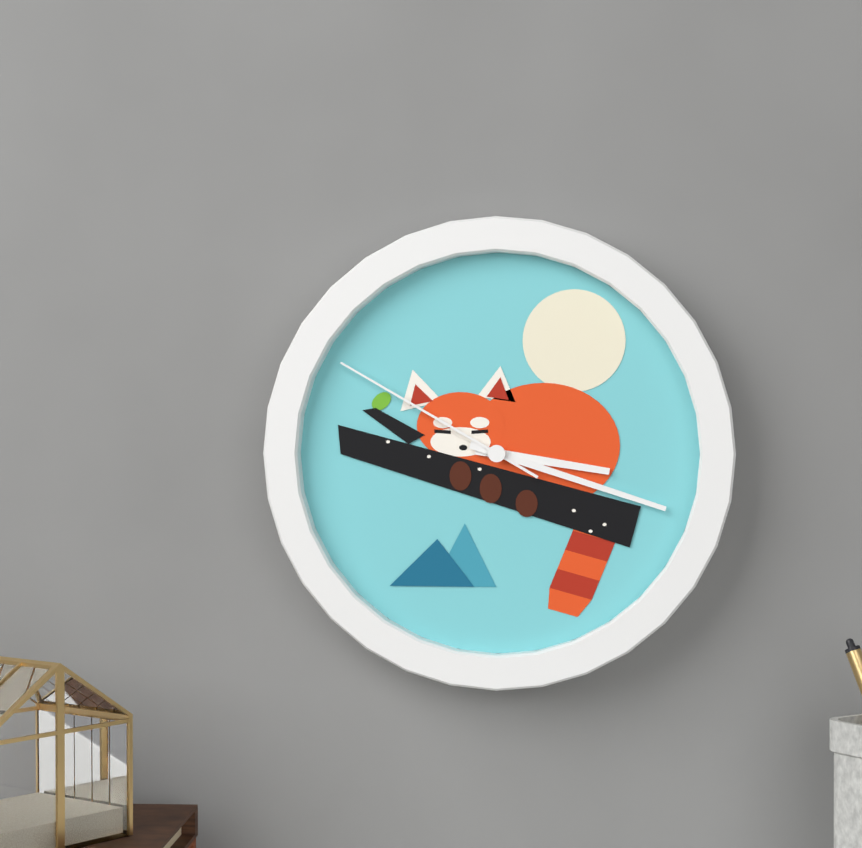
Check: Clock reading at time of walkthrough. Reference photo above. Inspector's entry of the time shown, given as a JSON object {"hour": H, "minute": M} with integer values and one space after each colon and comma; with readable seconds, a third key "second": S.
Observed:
{"hour": 3, "minute": 18, "second": 50}
